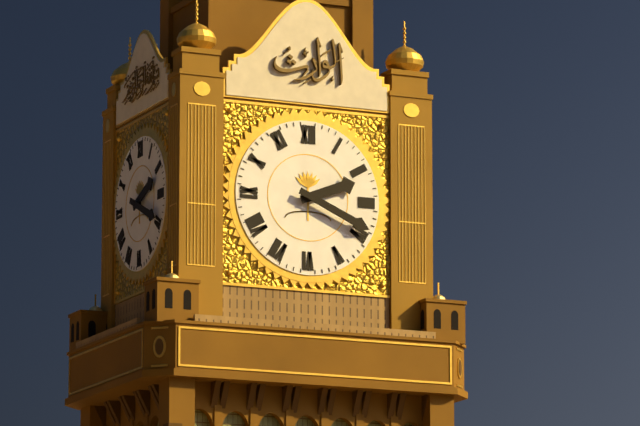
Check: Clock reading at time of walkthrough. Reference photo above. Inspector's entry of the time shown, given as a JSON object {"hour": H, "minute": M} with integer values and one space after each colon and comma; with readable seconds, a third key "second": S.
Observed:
{"hour": 2, "minute": 19}
